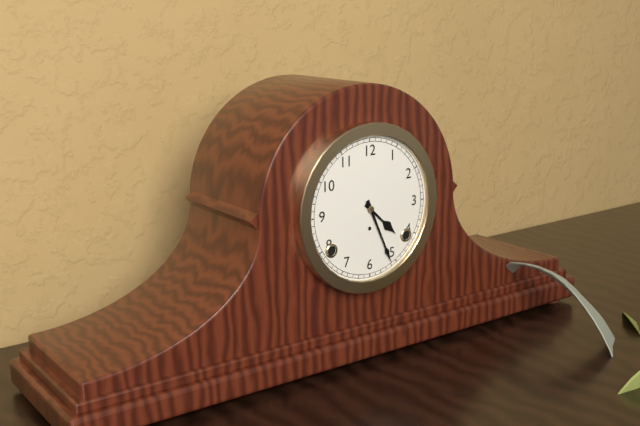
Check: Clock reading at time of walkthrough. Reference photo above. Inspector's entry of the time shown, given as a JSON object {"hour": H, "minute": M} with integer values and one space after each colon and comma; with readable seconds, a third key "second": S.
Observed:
{"hour": 4, "minute": 26}
